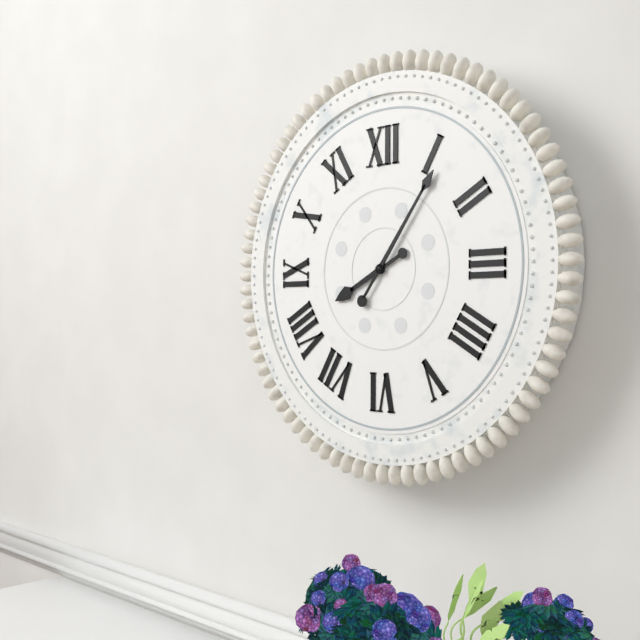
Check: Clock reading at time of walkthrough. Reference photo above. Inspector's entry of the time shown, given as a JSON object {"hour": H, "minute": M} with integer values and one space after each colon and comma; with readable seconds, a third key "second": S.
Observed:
{"hour": 8, "minute": 6}
